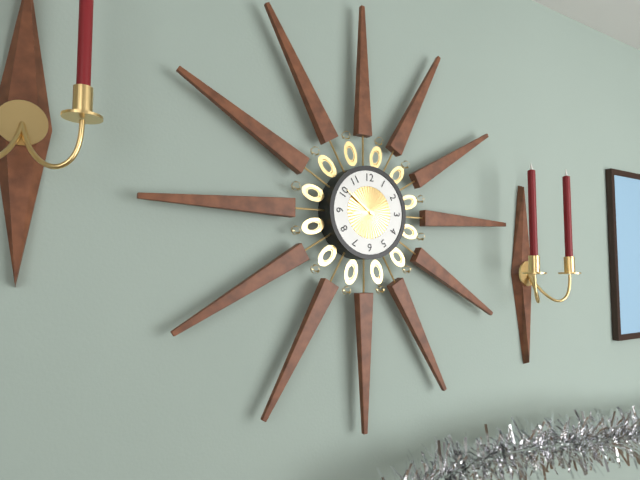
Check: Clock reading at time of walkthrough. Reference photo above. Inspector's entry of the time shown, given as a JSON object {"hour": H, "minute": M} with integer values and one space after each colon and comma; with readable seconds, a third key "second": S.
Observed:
{"hour": 8, "minute": 51}
